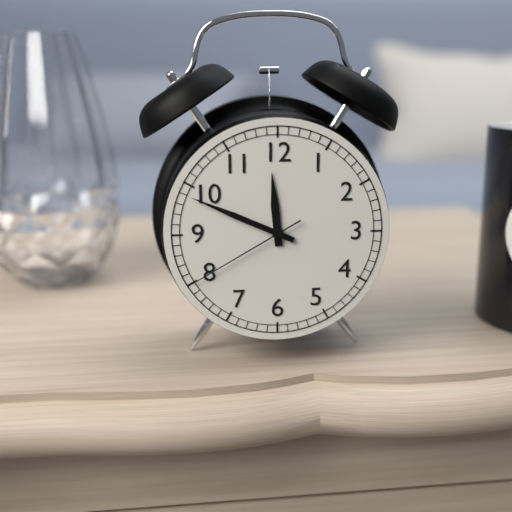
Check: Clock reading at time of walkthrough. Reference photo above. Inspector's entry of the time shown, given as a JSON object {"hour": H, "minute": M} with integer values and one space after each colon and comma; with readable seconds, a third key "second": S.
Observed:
{"hour": 11, "minute": 49, "second": 40}
